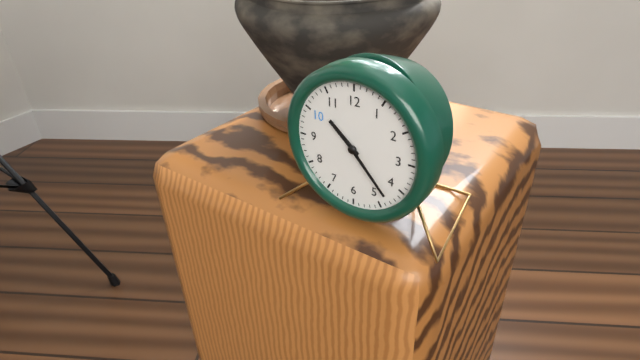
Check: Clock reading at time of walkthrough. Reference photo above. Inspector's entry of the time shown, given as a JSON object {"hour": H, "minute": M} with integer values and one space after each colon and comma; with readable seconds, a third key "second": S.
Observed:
{"hour": 10, "minute": 23}
